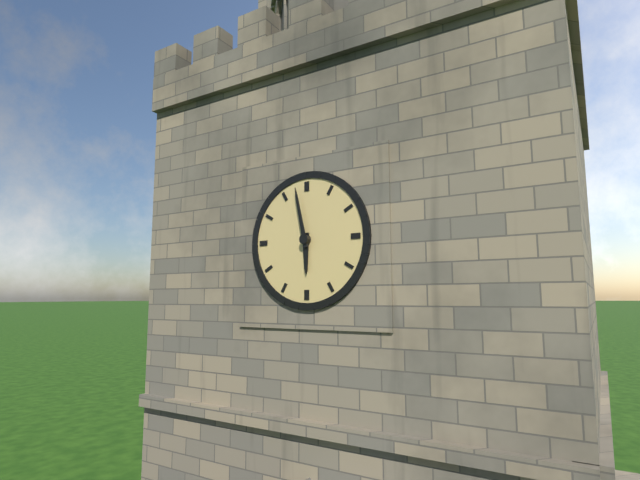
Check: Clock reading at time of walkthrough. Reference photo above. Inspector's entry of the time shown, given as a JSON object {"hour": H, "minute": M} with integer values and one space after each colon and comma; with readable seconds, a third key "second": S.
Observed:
{"hour": 5, "minute": 58}
